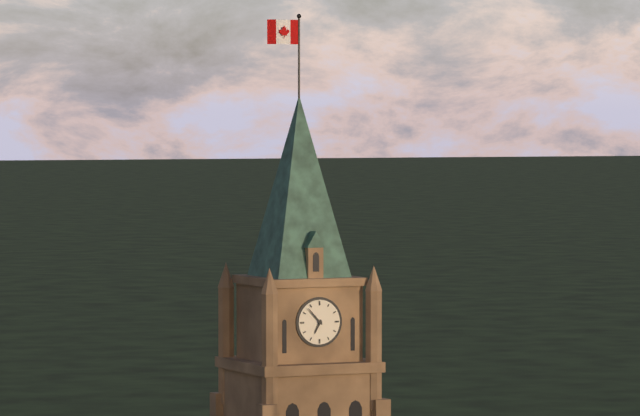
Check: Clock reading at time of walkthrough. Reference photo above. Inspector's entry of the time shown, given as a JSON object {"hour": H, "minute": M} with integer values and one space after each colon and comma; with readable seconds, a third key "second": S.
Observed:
{"hour": 6, "minute": 53}
